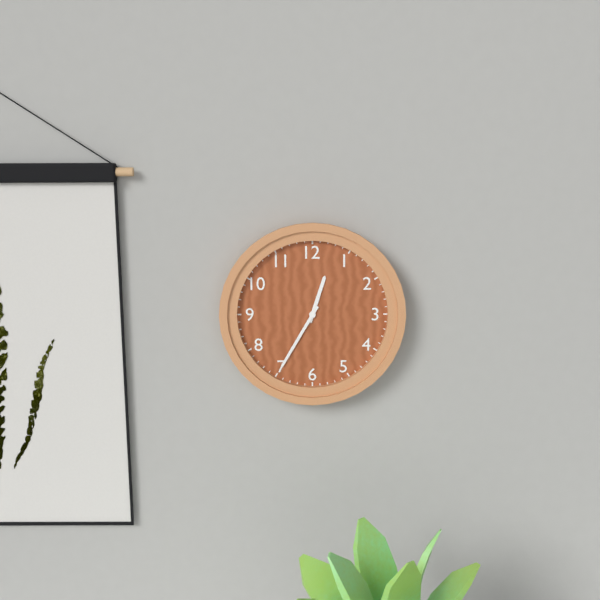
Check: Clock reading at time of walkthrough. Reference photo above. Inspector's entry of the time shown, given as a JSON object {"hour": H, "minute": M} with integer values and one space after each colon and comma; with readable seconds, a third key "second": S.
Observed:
{"hour": 12, "minute": 35}
